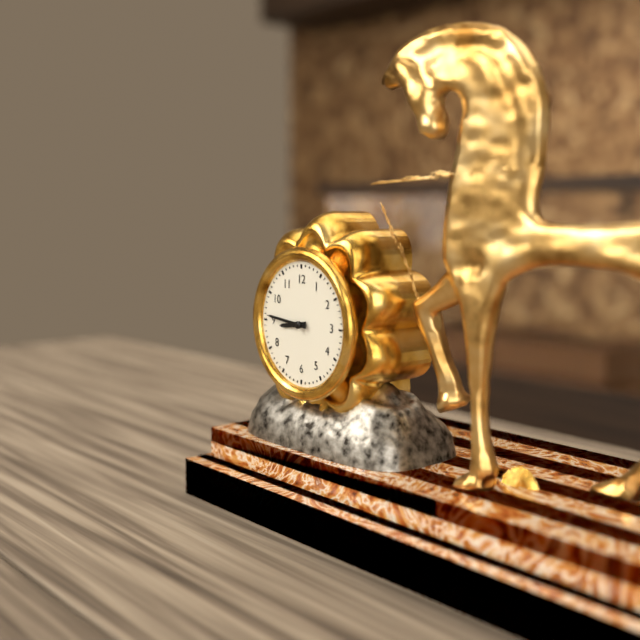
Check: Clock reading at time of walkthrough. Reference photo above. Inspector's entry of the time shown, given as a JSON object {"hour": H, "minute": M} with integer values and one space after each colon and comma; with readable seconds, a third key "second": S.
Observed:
{"hour": 8, "minute": 46}
